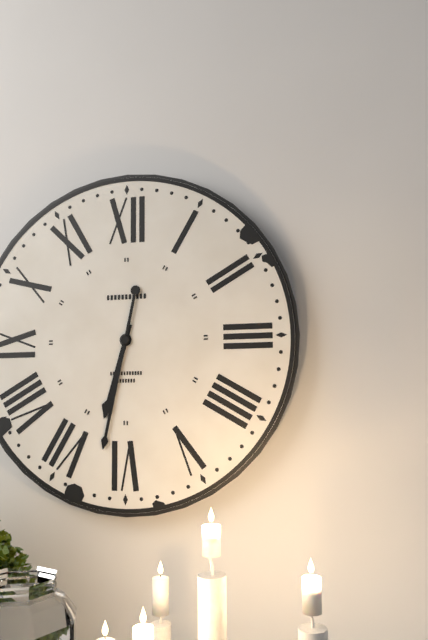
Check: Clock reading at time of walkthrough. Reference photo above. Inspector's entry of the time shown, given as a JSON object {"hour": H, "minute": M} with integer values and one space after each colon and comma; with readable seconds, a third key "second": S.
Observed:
{"hour": 6, "minute": 32}
